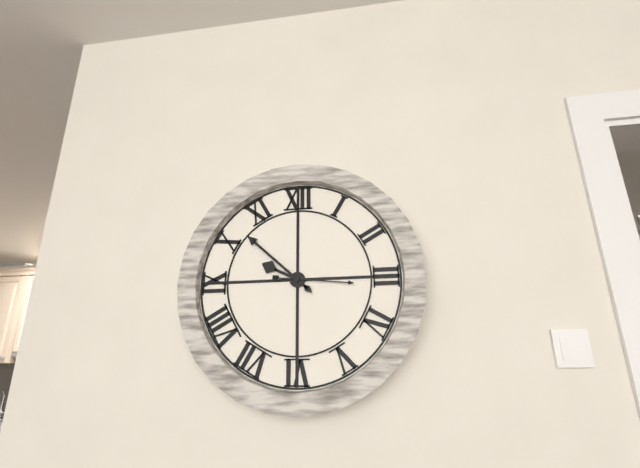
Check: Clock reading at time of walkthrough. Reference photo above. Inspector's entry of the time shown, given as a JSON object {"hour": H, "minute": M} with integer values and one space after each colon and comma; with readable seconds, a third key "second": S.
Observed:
{"hour": 9, "minute": 52, "second": 16}
